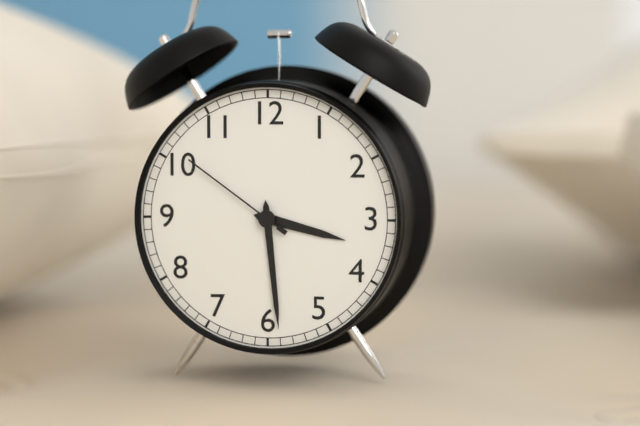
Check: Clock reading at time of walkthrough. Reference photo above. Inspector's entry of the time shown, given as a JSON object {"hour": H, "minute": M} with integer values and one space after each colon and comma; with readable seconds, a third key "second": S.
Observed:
{"hour": 3, "minute": 29, "second": 51}
